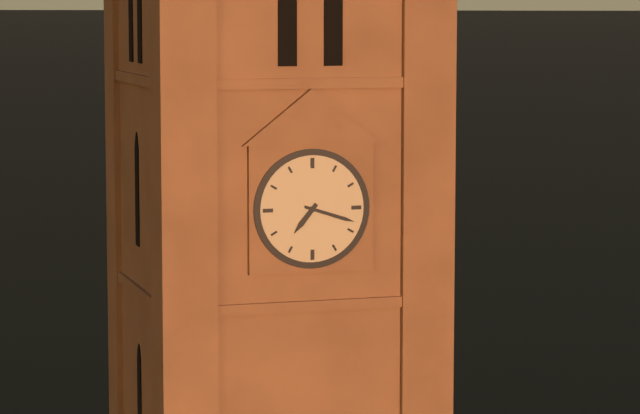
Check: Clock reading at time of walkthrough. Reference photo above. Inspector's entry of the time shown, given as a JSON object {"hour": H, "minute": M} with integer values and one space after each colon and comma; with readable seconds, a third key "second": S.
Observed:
{"hour": 7, "minute": 18}
